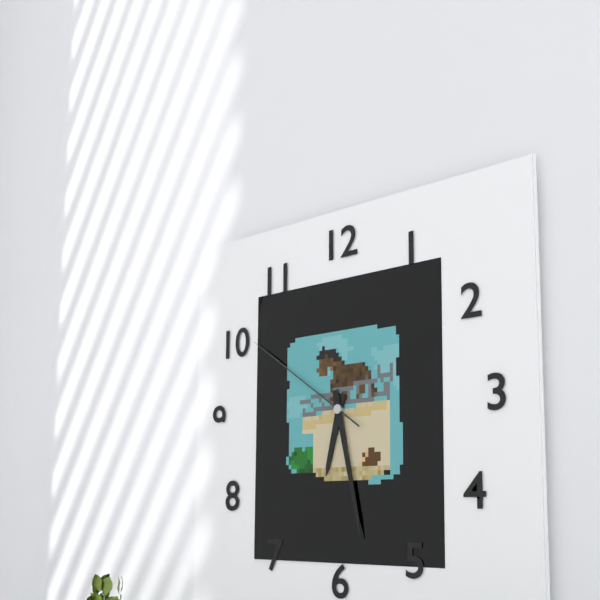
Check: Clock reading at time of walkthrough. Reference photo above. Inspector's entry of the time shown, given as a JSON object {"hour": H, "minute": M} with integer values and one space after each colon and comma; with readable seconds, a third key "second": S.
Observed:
{"hour": 6, "minute": 28, "second": 51}
